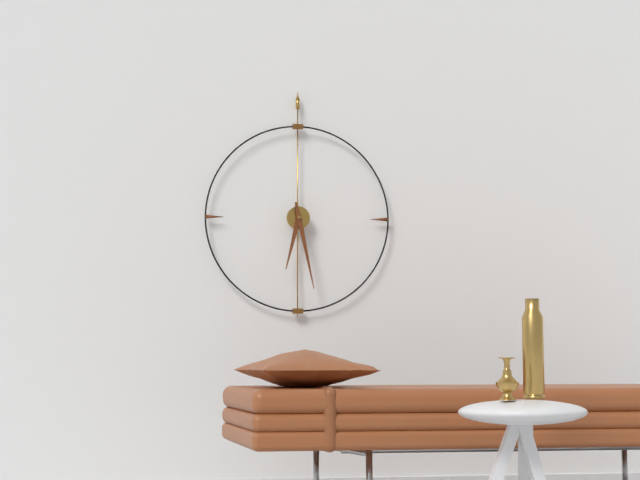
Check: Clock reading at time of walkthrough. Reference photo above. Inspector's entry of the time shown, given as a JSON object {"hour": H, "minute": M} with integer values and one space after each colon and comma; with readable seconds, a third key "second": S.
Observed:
{"hour": 6, "minute": 28}
